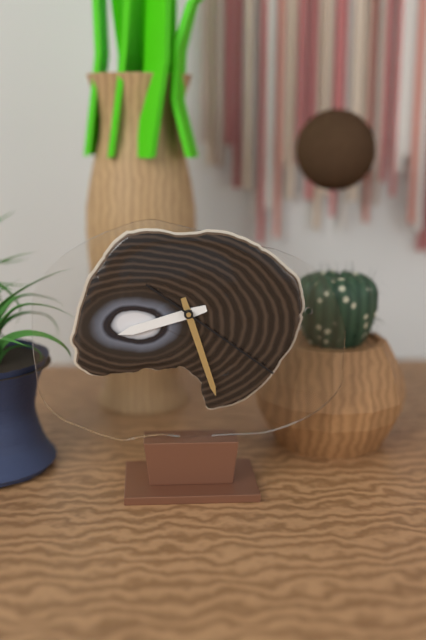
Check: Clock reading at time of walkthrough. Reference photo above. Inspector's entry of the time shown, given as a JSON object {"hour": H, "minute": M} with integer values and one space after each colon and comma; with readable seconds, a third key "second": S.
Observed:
{"hour": 8, "minute": 27, "second": 21}
